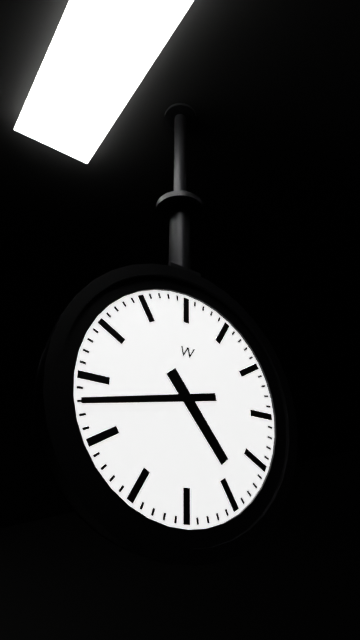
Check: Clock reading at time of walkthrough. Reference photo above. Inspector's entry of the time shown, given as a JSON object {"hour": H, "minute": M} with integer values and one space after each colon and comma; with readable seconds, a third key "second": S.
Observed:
{"hour": 4, "minute": 43}
